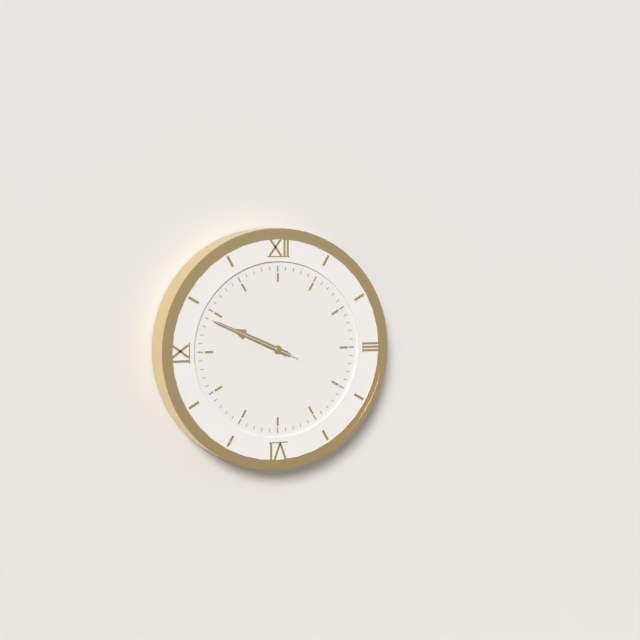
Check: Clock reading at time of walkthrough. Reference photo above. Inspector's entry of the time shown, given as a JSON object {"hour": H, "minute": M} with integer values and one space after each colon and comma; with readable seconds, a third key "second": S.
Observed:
{"hour": 9, "minute": 49, "second": 49}
